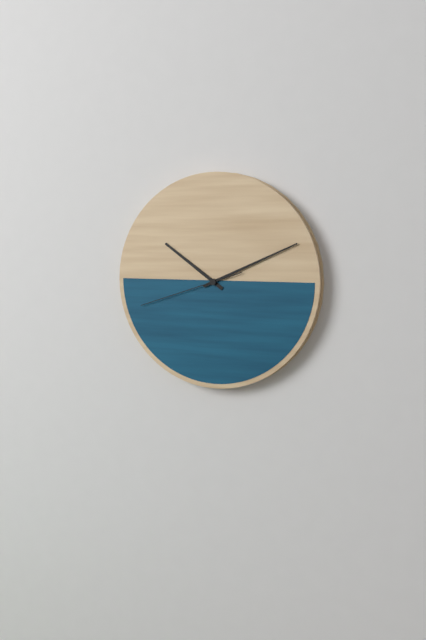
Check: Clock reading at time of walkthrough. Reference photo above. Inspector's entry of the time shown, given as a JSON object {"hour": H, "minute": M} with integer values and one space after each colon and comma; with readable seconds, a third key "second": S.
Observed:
{"hour": 10, "minute": 11, "second": 42}
